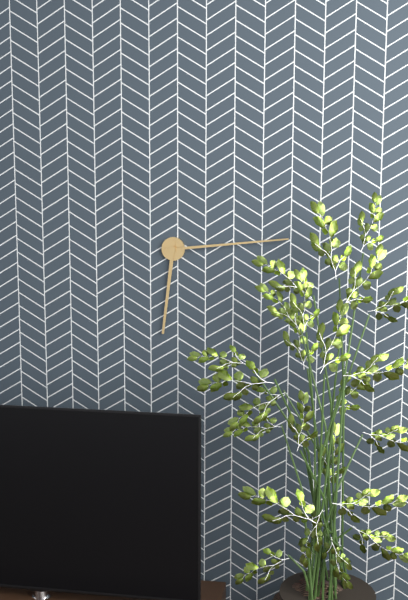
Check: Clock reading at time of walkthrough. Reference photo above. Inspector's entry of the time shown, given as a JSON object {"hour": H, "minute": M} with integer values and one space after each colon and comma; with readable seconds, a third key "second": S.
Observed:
{"hour": 6, "minute": 14}
